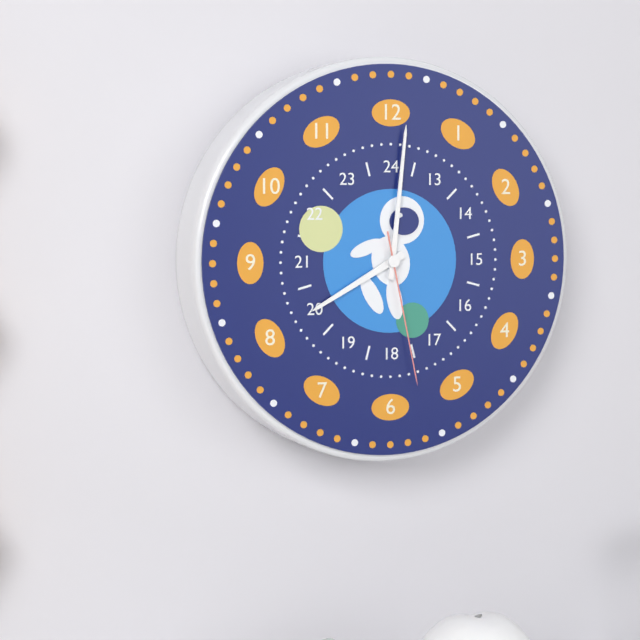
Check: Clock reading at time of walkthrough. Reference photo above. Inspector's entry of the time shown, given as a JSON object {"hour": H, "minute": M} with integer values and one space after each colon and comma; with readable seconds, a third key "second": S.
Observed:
{"hour": 8, "minute": 1, "second": 28}
